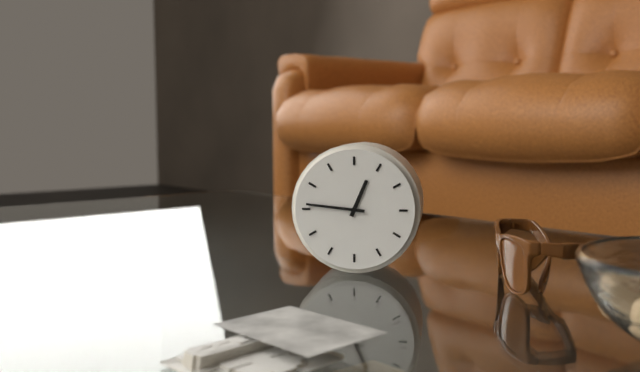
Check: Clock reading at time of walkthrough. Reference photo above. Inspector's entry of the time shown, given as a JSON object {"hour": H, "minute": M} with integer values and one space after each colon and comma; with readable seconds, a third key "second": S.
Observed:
{"hour": 12, "minute": 46}
